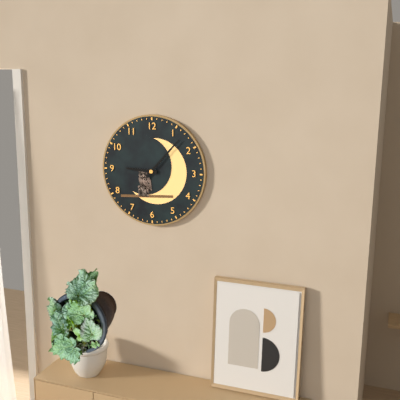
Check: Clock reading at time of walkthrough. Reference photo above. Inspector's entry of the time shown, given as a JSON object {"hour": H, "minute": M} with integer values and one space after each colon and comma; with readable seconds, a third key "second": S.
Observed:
{"hour": 9, "minute": 7}
